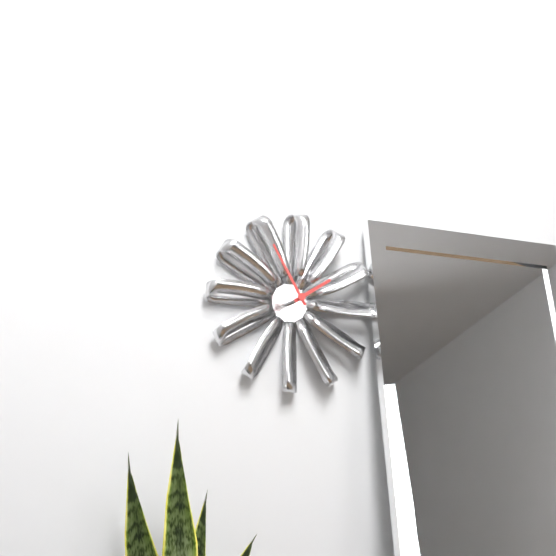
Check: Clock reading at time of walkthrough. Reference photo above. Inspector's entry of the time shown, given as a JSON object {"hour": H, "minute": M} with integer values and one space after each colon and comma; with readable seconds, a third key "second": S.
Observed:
{"hour": 1, "minute": 55}
